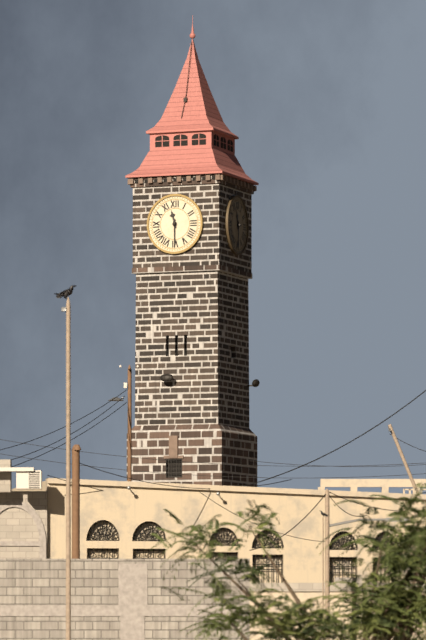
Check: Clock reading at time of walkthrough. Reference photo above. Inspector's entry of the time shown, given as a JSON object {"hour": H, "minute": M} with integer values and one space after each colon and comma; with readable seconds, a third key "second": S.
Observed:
{"hour": 11, "minute": 30}
